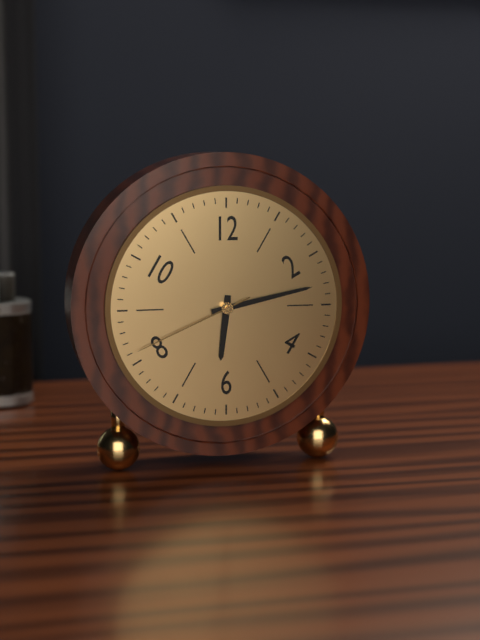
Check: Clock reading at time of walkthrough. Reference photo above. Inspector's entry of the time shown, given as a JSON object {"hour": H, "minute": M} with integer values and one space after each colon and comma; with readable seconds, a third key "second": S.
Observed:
{"hour": 6, "minute": 13, "second": 41}
